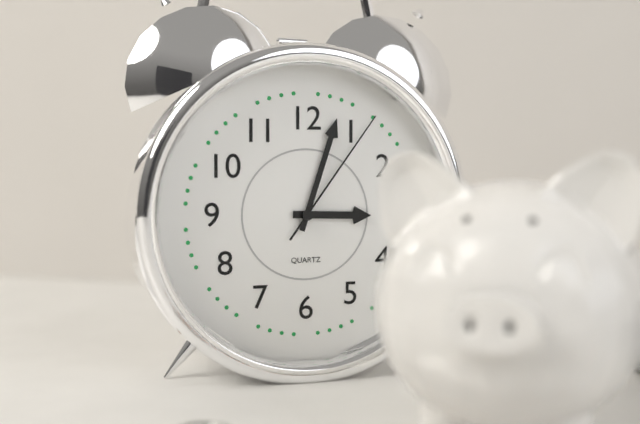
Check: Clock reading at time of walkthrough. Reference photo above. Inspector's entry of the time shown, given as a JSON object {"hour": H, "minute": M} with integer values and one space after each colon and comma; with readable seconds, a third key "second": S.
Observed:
{"hour": 3, "minute": 3, "second": 6}
